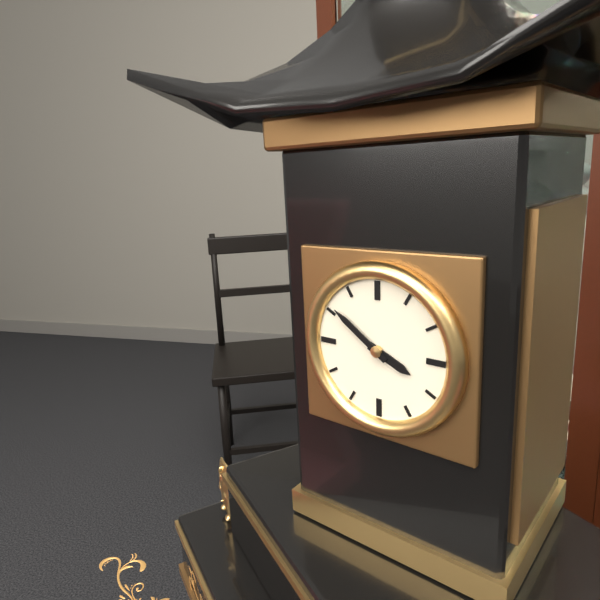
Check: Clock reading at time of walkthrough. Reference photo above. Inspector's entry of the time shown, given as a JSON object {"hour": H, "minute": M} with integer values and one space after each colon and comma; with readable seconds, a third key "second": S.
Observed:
{"hour": 3, "minute": 51}
